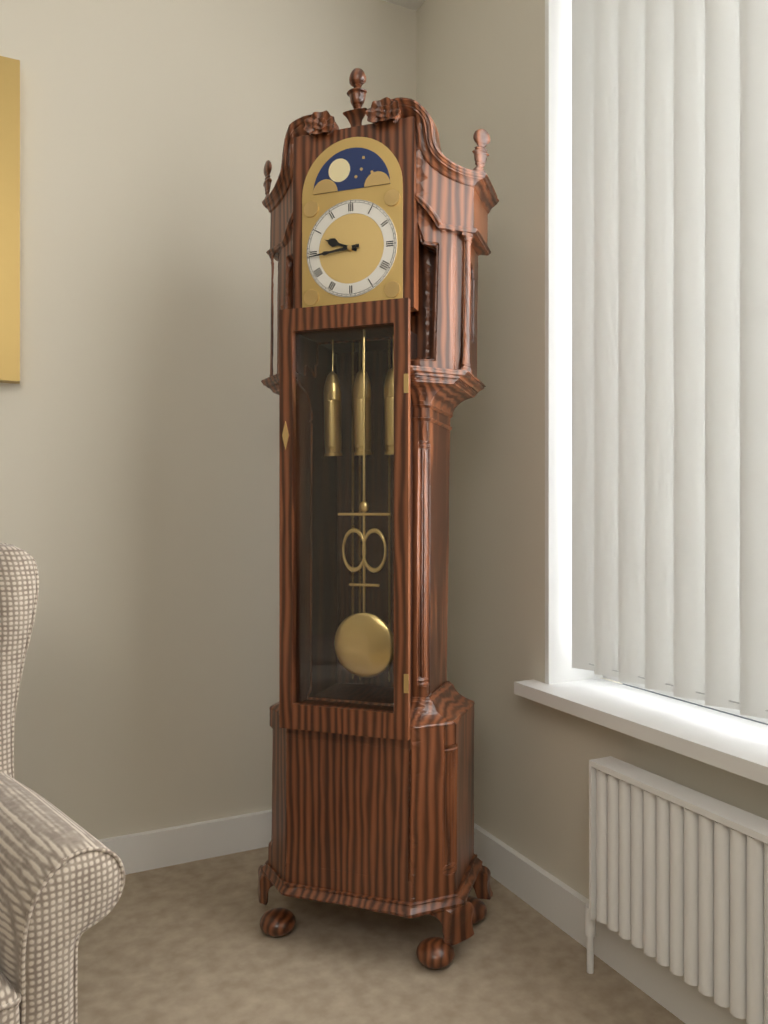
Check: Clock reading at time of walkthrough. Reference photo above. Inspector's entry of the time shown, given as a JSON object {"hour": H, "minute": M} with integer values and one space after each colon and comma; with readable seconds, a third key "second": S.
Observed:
{"hour": 9, "minute": 44}
